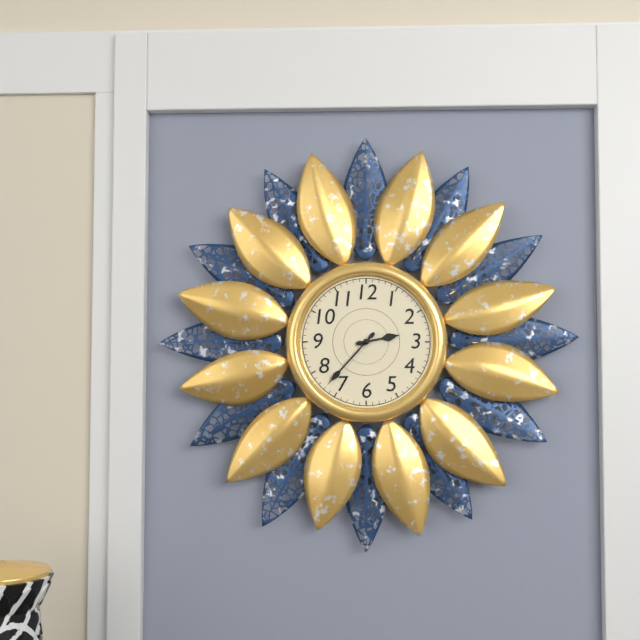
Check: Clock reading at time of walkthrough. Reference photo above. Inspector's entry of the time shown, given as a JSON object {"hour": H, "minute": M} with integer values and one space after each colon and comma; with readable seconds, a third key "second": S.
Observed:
{"hour": 2, "minute": 37}
